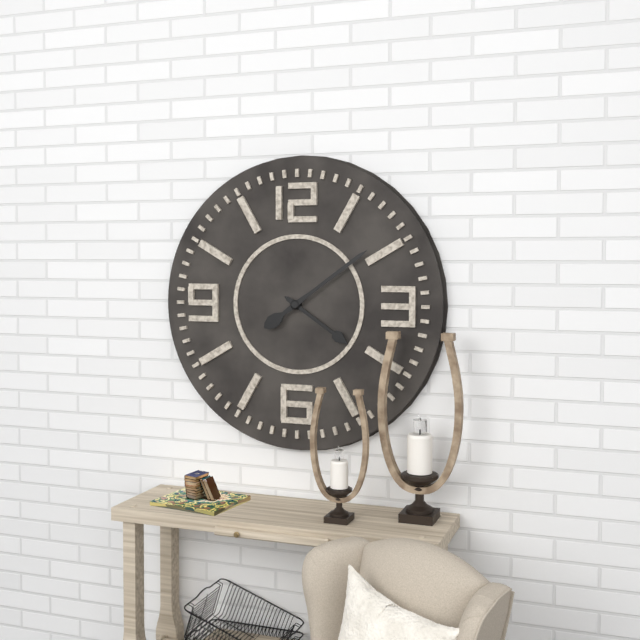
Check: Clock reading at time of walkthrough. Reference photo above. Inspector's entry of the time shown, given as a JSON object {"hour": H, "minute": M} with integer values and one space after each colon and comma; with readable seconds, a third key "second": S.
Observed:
{"hour": 4, "minute": 9}
